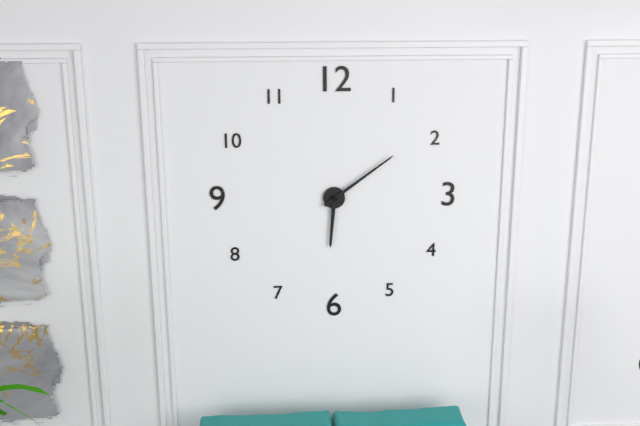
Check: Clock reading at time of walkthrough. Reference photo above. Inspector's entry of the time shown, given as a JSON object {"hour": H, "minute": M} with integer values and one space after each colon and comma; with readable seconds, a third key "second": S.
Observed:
{"hour": 6, "minute": 9}
